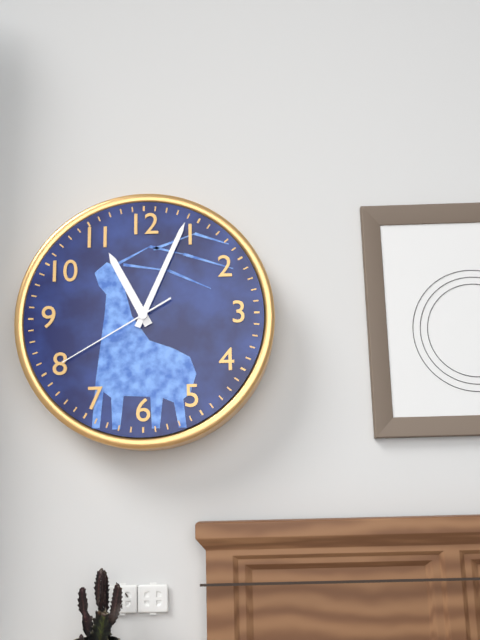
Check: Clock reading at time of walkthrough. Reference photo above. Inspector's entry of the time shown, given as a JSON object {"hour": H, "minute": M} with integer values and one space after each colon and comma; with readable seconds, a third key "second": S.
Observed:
{"hour": 11, "minute": 4, "second": 40}
